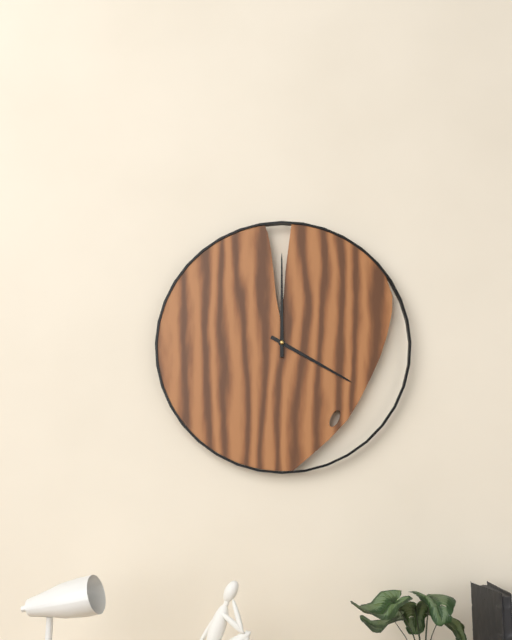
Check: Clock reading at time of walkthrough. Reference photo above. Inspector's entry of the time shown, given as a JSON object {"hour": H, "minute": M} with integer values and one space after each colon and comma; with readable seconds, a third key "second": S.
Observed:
{"hour": 4, "minute": 0}
